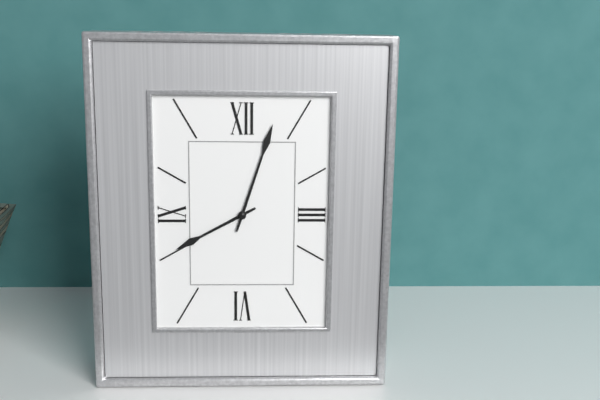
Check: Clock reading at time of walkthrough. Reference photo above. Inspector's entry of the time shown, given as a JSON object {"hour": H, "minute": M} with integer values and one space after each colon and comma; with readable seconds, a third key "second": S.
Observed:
{"hour": 8, "minute": 3}
